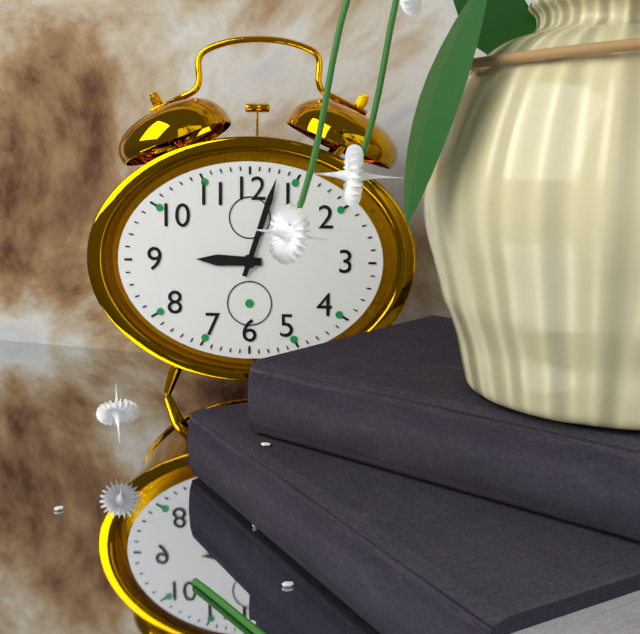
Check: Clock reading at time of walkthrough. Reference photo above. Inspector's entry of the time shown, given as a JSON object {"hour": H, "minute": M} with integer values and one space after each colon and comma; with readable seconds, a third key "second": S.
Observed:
{"hour": 9, "minute": 3}
